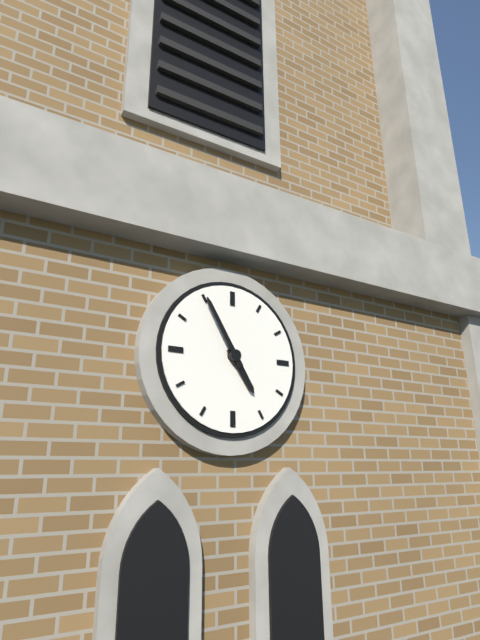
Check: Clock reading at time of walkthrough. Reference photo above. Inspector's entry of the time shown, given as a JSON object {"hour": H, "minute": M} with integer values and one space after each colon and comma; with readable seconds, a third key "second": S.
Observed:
{"hour": 4, "minute": 55}
